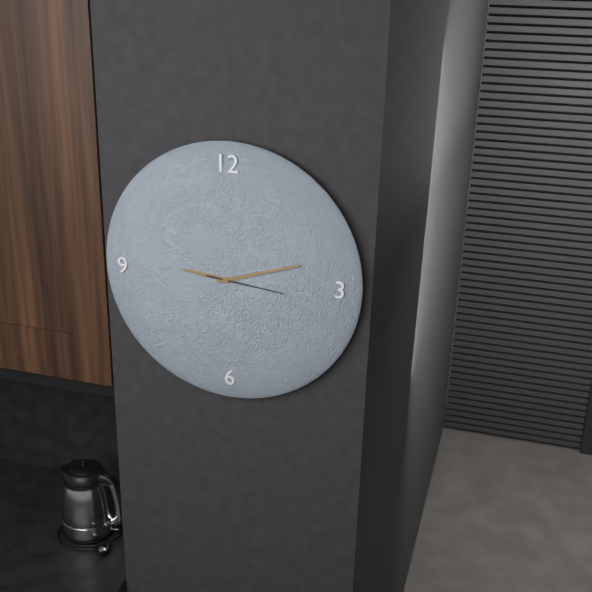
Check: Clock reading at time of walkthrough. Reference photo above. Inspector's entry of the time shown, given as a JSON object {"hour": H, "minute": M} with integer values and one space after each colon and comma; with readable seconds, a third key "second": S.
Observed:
{"hour": 9, "minute": 12, "second": 16}
